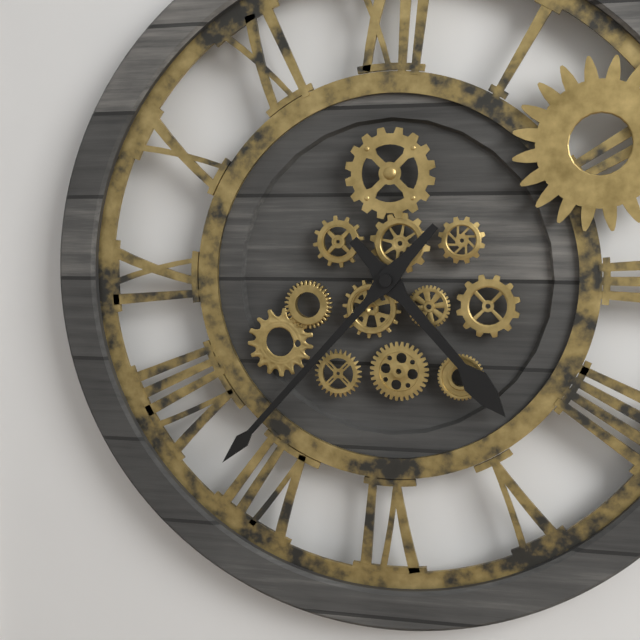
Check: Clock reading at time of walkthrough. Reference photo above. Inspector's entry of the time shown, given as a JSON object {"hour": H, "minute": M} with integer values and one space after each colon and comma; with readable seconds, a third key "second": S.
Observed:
{"hour": 4, "minute": 37}
